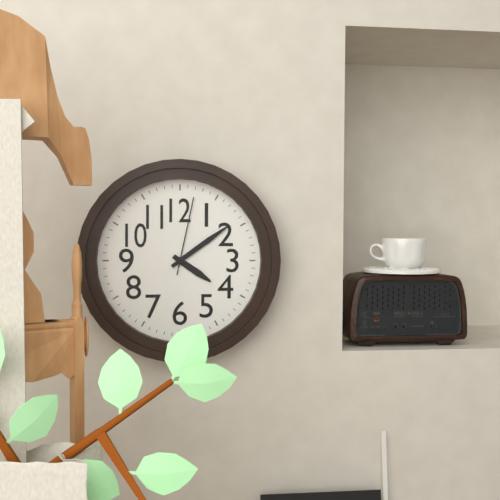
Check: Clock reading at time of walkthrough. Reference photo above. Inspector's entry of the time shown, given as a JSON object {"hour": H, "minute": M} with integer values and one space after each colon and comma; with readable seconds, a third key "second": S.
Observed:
{"hour": 4, "minute": 9, "second": 2}
